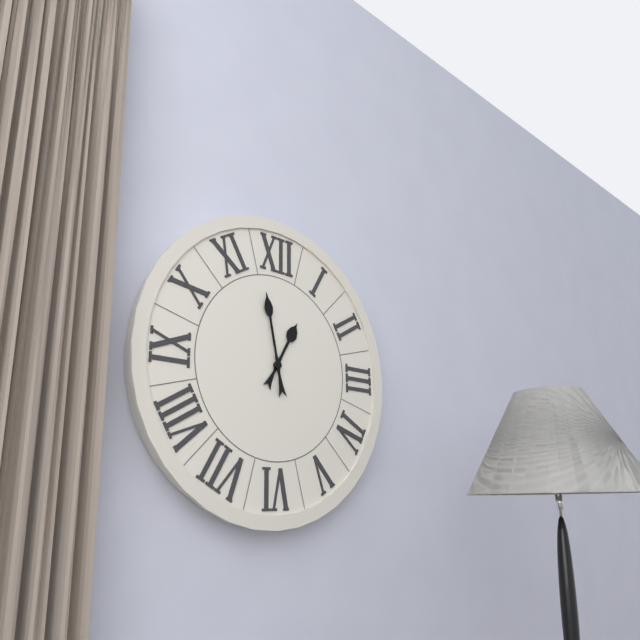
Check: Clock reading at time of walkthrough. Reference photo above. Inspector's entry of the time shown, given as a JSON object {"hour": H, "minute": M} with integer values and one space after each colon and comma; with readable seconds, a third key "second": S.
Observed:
{"hour": 12, "minute": 58}
